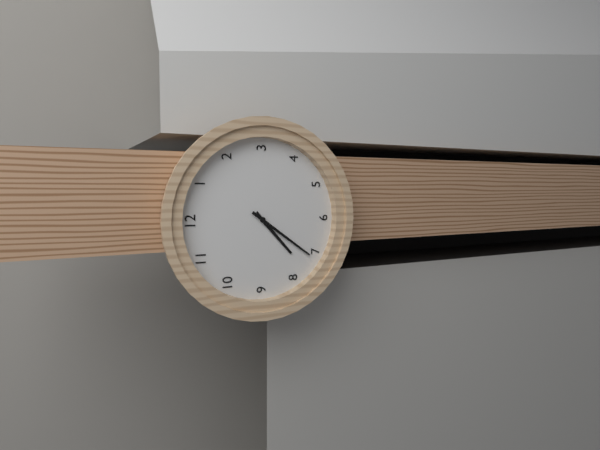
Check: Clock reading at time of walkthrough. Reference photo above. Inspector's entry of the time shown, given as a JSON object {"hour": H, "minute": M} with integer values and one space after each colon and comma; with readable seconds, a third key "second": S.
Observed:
{"hour": 7, "minute": 36}
